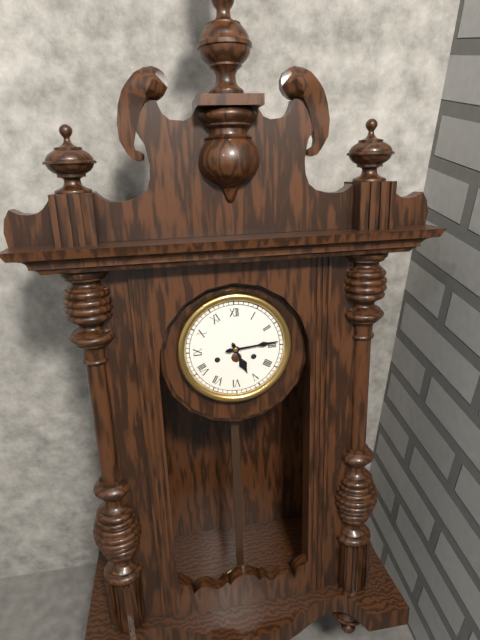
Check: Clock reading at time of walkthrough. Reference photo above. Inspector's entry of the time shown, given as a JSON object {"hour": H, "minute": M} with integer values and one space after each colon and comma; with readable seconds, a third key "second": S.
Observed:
{"hour": 5, "minute": 14}
